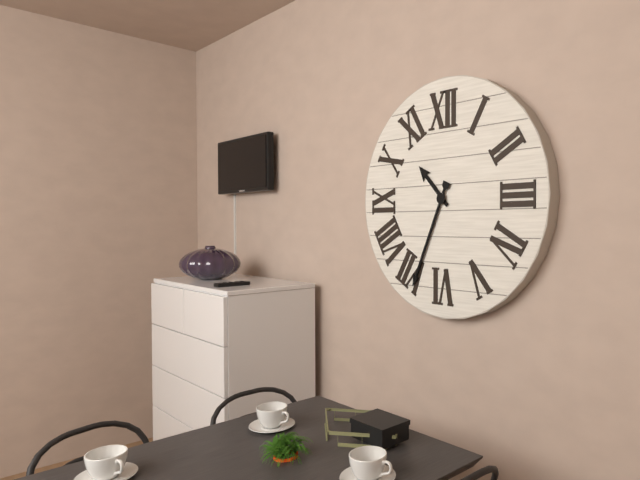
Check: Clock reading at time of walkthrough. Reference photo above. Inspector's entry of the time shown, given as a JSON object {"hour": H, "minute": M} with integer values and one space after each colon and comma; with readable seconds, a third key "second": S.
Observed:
{"hour": 10, "minute": 34}
